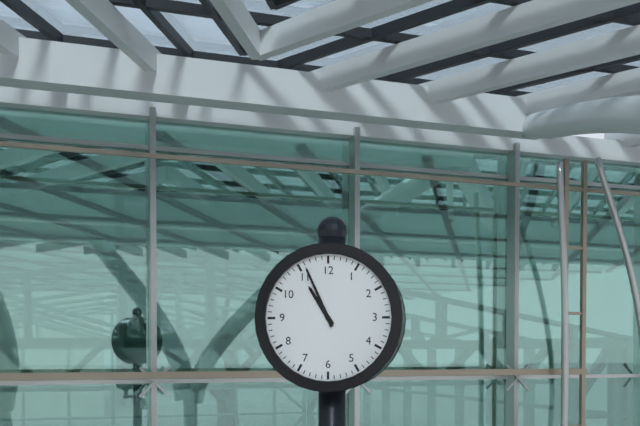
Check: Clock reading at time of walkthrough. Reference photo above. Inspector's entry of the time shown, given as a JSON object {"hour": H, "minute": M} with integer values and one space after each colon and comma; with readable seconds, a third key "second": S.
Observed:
{"hour": 10, "minute": 56}
